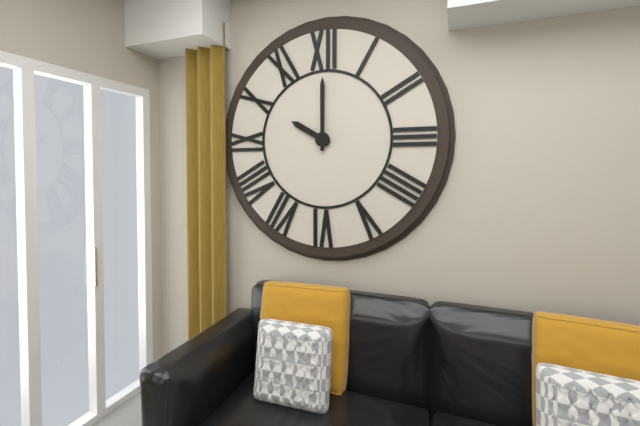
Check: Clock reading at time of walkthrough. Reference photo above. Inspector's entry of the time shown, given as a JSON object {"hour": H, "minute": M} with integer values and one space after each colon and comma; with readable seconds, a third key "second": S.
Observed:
{"hour": 10, "minute": 0}
